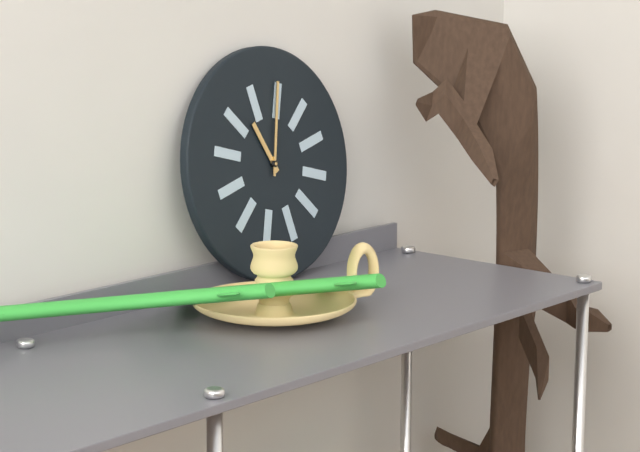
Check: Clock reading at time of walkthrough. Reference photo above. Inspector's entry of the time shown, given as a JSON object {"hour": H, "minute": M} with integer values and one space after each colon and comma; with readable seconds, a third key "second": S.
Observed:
{"hour": 11, "minute": 2}
